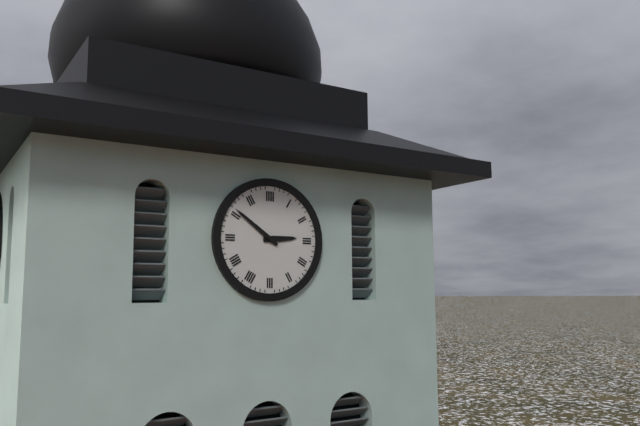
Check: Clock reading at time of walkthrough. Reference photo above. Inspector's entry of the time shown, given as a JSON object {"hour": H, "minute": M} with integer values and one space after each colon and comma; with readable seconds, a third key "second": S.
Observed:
{"hour": 2, "minute": 51}
